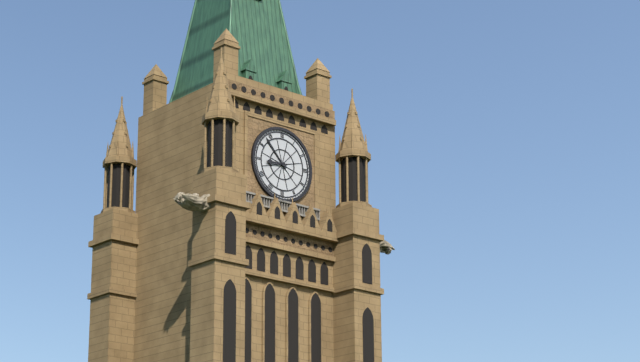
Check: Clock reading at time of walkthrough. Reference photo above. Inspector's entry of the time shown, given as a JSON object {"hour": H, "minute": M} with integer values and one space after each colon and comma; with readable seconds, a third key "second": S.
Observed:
{"hour": 8, "minute": 53}
